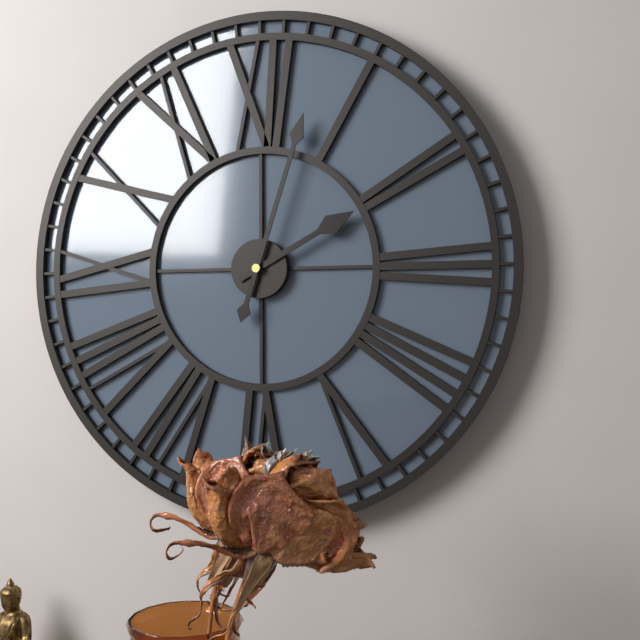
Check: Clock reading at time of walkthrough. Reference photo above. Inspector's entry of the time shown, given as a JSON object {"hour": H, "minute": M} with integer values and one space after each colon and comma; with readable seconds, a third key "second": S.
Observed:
{"hour": 2, "minute": 3}
